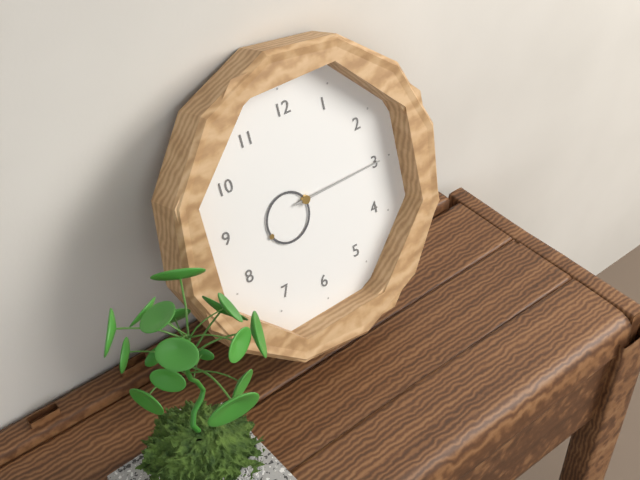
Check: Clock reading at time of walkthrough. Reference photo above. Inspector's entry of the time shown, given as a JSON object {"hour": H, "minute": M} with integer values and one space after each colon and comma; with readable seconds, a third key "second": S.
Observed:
{"hour": 8, "minute": 15}
